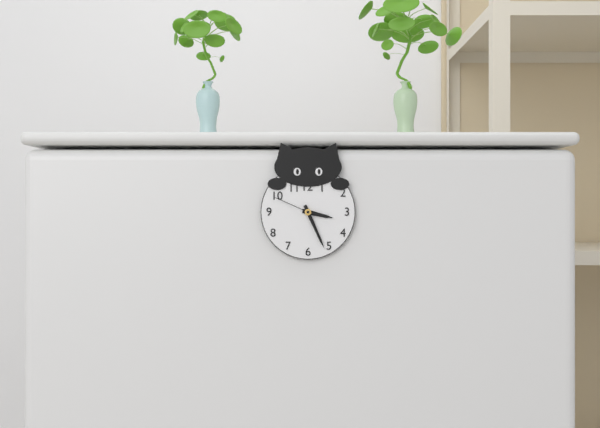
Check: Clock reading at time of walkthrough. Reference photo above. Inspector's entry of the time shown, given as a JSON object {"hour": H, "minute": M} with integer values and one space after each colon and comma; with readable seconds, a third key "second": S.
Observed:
{"hour": 3, "minute": 26}
